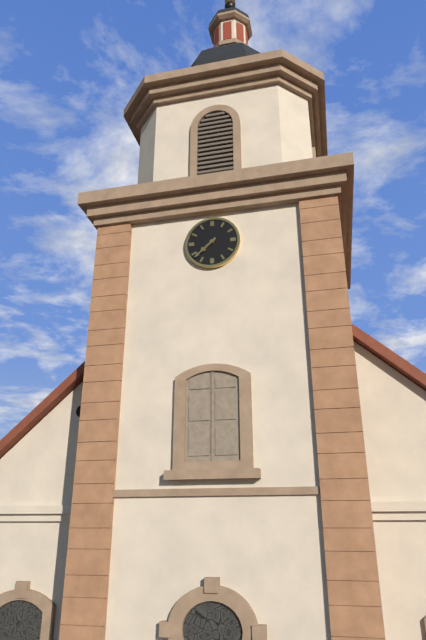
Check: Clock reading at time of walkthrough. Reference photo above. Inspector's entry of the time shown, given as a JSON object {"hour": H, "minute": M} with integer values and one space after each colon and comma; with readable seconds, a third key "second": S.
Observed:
{"hour": 7, "minute": 38}
